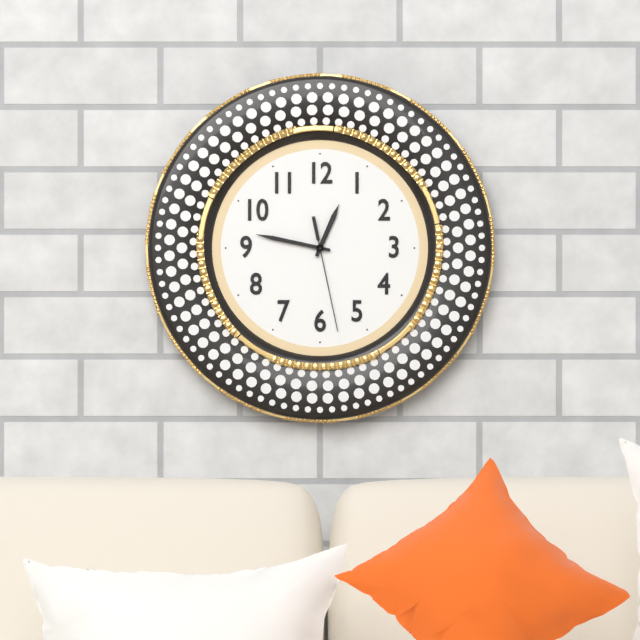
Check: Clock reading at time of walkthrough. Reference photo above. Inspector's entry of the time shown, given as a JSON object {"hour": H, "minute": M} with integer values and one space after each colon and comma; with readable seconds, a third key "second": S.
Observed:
{"hour": 12, "minute": 47, "second": 28}
